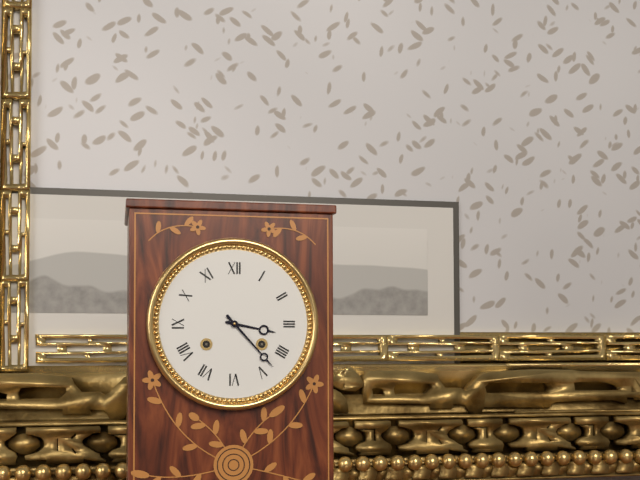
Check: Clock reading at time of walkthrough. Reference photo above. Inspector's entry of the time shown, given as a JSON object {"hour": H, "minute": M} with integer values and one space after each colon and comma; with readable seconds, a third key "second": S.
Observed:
{"hour": 3, "minute": 23}
